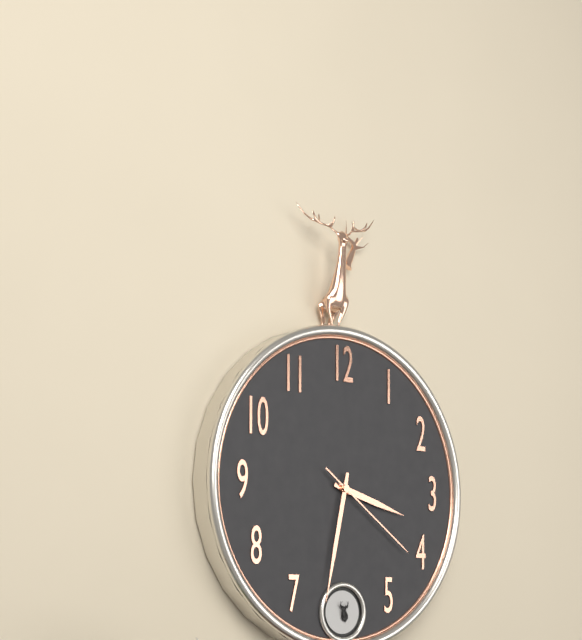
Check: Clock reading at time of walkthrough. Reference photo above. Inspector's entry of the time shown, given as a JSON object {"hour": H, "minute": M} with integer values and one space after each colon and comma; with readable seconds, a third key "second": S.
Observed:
{"hour": 3, "minute": 32, "second": 21}
